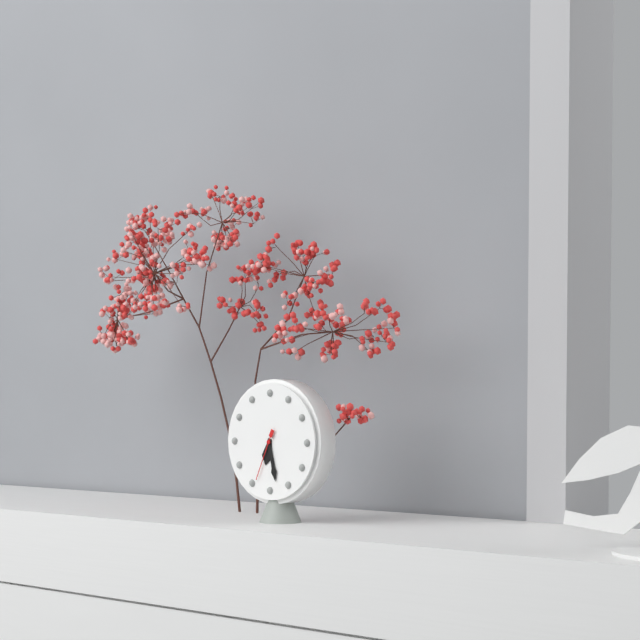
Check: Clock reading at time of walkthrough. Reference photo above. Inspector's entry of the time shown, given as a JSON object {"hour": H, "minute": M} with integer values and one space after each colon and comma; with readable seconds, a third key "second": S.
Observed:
{"hour": 6, "minute": 28, "second": 34}
